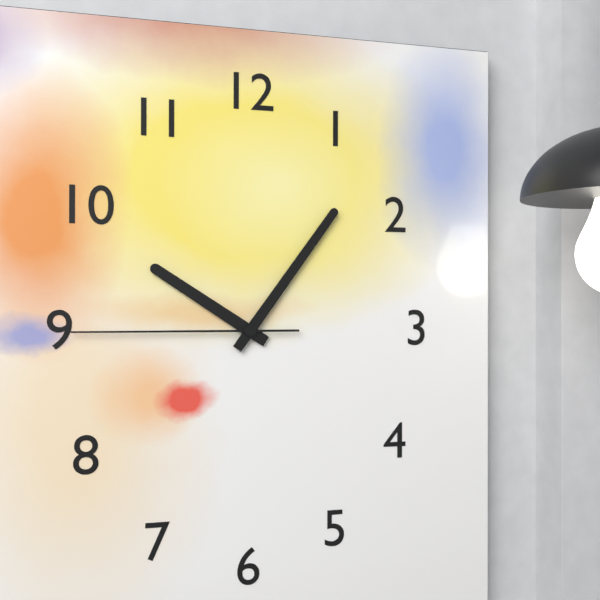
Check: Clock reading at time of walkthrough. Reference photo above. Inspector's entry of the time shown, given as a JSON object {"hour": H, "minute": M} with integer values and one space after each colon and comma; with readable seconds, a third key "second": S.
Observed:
{"hour": 10, "minute": 6, "second": 45}
